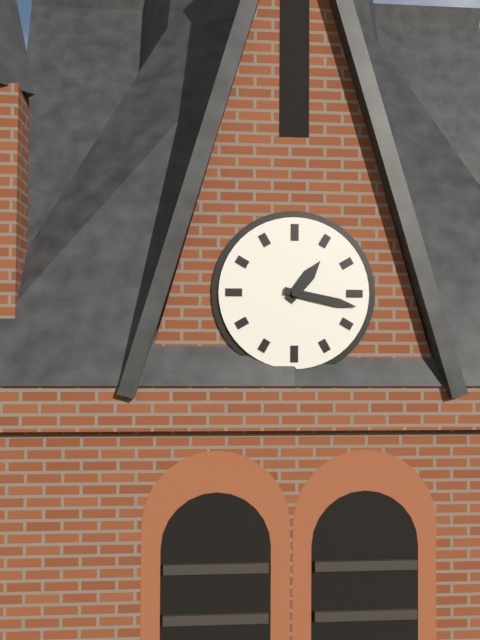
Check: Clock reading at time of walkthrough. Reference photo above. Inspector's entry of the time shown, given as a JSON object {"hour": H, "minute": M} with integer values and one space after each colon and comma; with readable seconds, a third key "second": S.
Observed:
{"hour": 1, "minute": 17}
